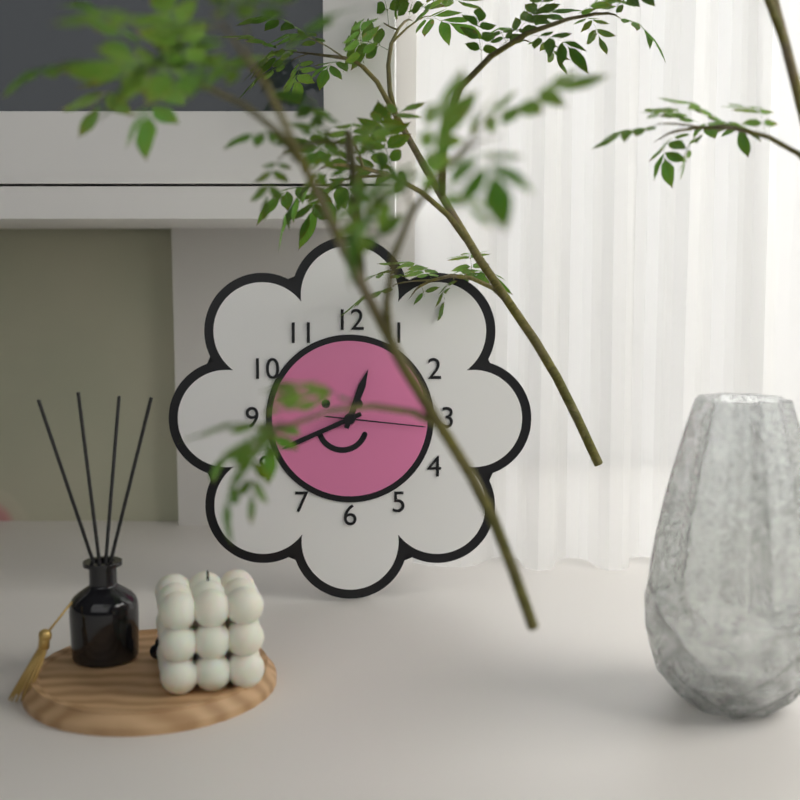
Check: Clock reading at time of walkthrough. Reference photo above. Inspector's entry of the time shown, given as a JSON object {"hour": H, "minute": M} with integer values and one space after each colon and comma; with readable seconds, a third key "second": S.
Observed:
{"hour": 12, "minute": 41, "second": 16}
